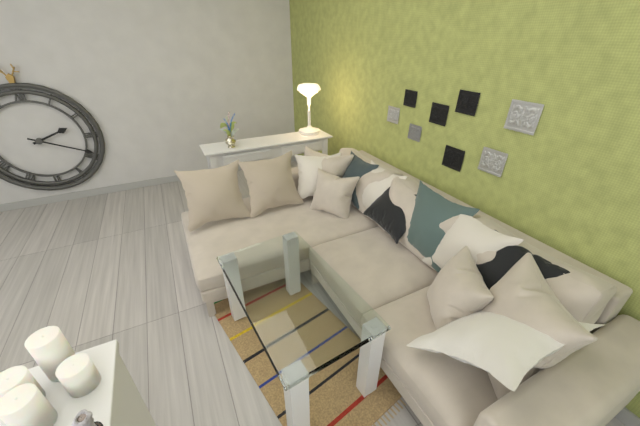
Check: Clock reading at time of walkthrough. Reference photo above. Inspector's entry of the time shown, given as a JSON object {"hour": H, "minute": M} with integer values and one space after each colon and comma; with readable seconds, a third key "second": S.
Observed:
{"hour": 2, "minute": 19}
